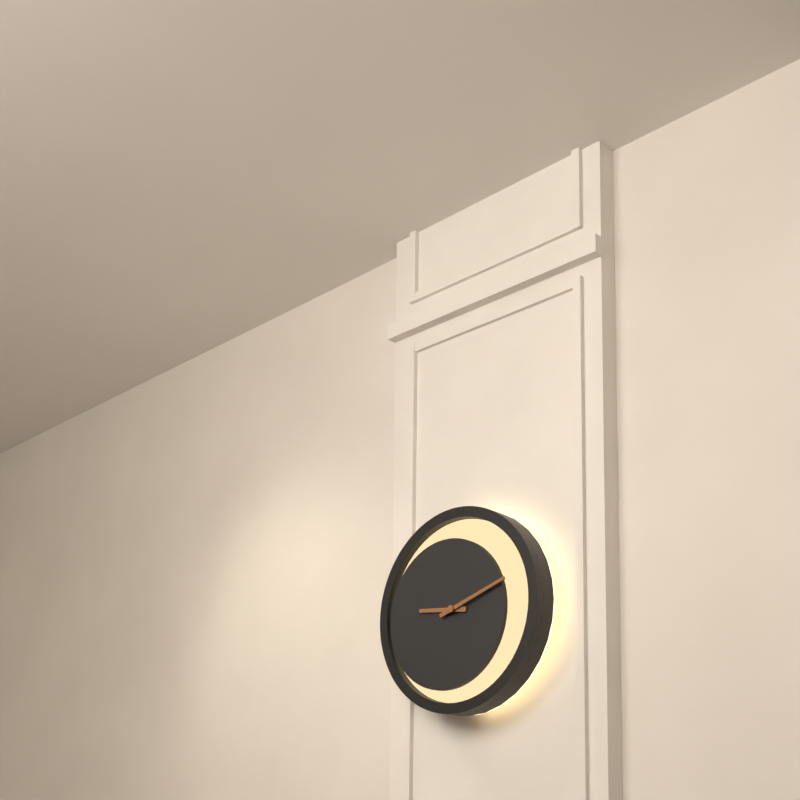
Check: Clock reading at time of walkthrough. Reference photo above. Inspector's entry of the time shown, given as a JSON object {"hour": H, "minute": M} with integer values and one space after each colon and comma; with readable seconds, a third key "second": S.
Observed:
{"hour": 9, "minute": 12}
